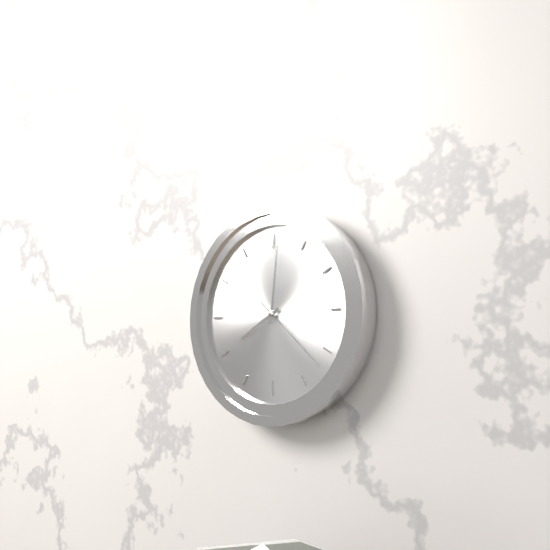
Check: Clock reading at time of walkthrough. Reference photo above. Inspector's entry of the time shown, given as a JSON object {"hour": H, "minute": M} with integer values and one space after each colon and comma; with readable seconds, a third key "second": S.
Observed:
{"hour": 8, "minute": 1, "second": 22}
